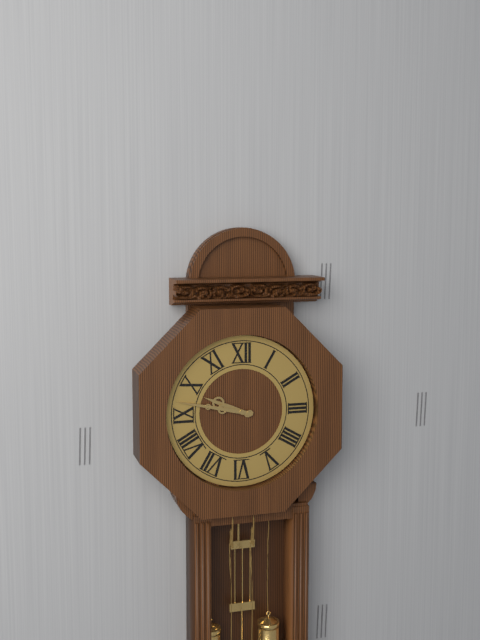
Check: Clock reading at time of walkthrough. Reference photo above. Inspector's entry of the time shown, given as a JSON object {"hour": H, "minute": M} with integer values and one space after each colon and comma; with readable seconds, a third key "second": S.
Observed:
{"hour": 9, "minute": 47}
